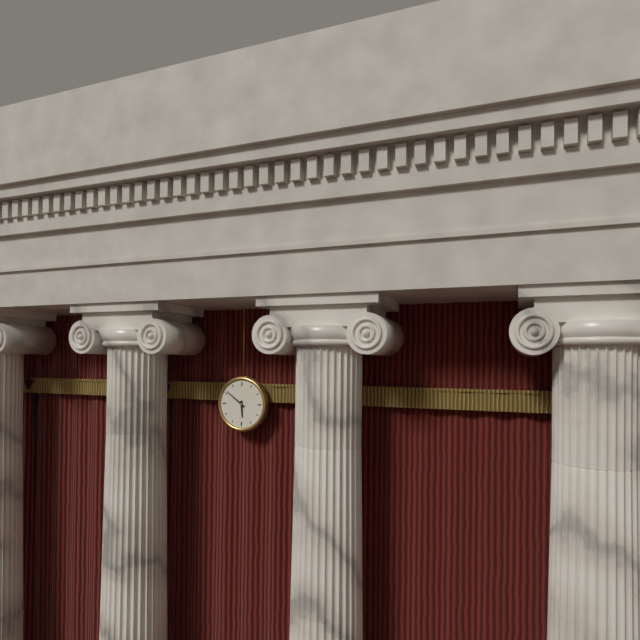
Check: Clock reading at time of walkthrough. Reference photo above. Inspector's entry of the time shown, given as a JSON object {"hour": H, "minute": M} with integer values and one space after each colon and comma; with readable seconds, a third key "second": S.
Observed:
{"hour": 5, "minute": 51}
